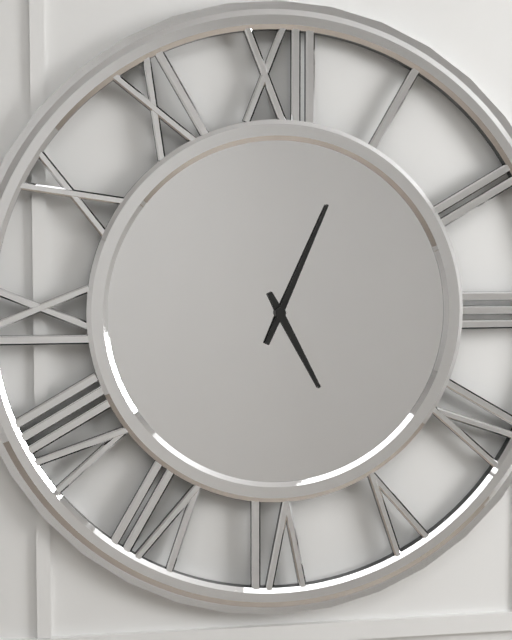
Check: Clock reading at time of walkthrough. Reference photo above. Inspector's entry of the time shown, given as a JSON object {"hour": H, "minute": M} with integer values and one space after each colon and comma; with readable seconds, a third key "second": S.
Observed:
{"hour": 5, "minute": 4}
